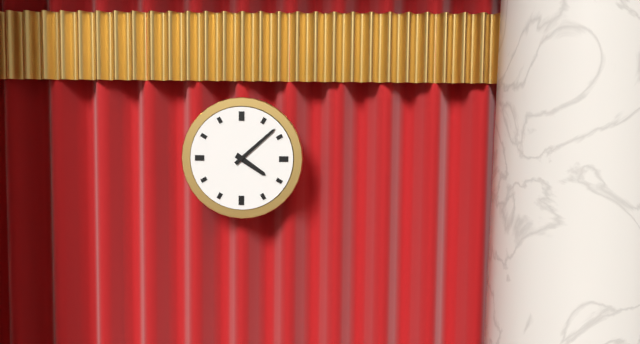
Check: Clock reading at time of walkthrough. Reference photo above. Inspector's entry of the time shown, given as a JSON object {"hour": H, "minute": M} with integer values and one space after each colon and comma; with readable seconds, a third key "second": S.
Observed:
{"hour": 4, "minute": 8}
